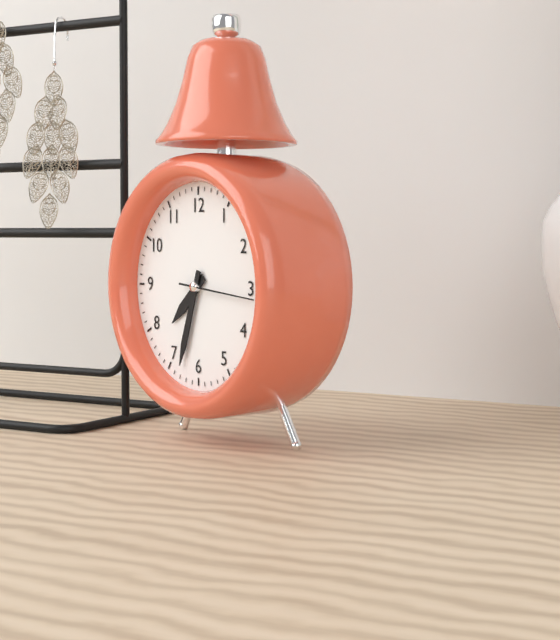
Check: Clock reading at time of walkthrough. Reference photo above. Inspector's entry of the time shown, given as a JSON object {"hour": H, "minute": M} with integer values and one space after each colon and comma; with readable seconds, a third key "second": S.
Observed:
{"hour": 7, "minute": 33, "second": 16}
